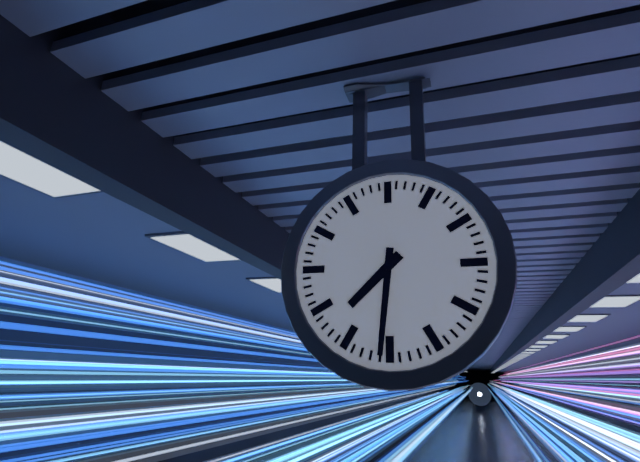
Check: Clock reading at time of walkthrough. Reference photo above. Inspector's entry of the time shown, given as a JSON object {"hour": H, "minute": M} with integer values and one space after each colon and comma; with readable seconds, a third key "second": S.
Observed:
{"hour": 7, "minute": 31}
